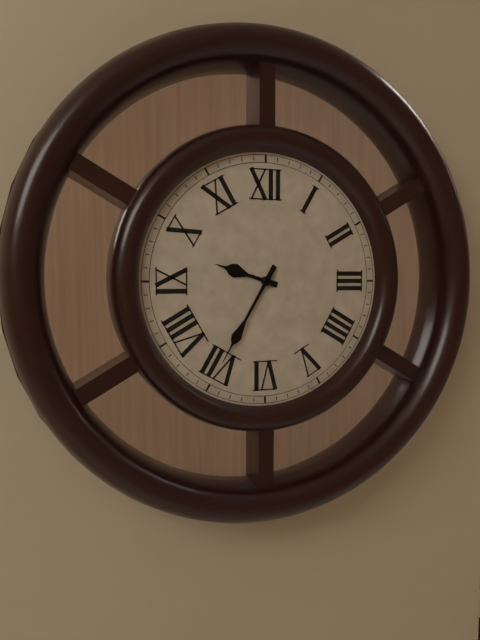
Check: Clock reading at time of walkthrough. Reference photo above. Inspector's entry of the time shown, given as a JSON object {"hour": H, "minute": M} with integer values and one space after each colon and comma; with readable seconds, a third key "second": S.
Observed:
{"hour": 9, "minute": 35}
